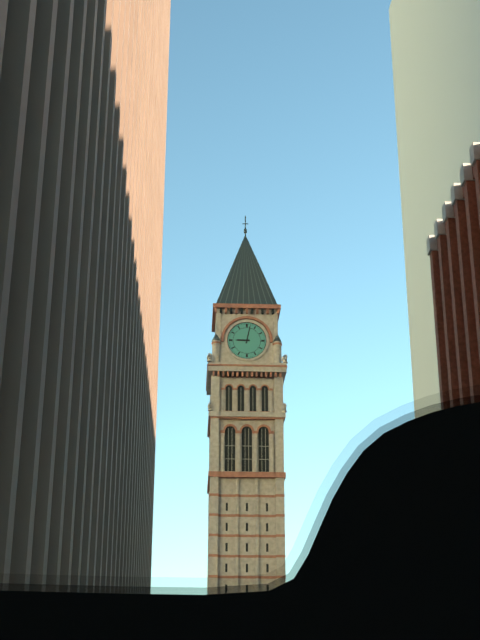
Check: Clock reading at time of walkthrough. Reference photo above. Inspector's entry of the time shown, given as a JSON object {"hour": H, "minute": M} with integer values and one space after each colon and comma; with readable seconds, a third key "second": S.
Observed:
{"hour": 9, "minute": 2}
